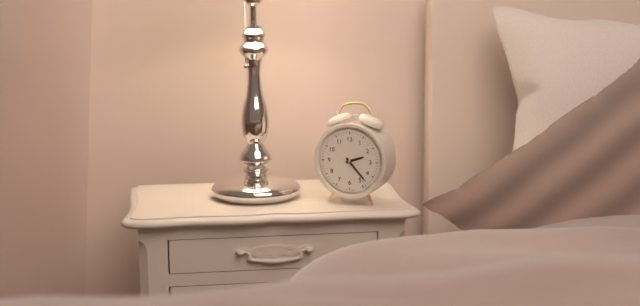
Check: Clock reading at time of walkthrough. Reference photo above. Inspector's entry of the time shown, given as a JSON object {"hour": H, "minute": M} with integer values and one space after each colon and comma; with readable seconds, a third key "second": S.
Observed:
{"hour": 2, "minute": 23}
